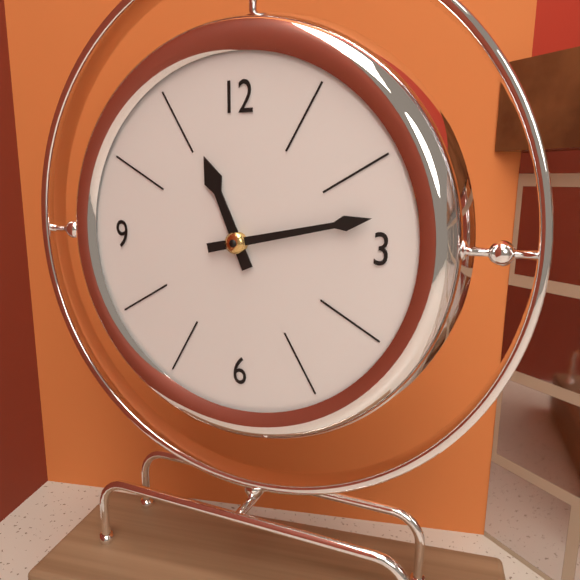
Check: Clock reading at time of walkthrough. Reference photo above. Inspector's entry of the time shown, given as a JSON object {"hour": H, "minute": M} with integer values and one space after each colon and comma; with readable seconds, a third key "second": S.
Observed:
{"hour": 11, "minute": 13}
